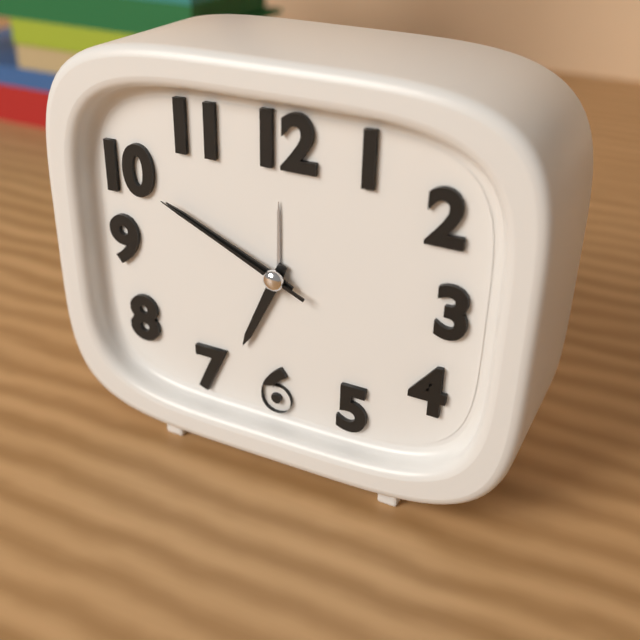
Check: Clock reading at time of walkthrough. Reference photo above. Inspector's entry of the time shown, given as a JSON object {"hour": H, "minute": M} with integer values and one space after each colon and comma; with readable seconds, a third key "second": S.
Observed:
{"hour": 6, "minute": 49, "second": 49}
